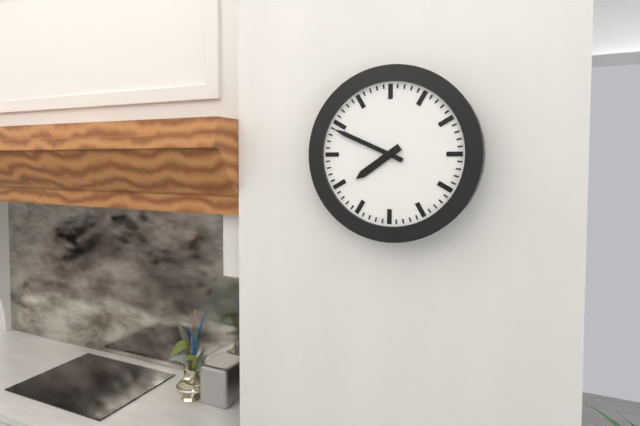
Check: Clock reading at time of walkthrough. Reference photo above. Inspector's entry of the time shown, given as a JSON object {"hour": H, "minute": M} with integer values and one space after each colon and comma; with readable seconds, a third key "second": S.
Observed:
{"hour": 7, "minute": 49}
